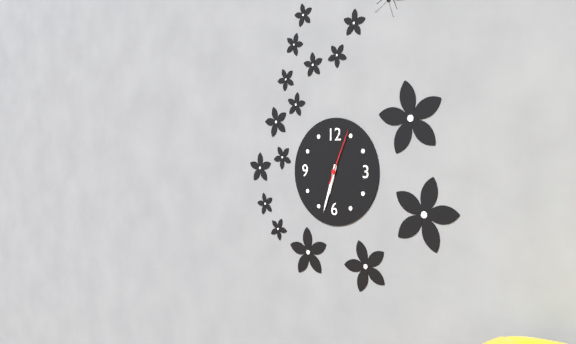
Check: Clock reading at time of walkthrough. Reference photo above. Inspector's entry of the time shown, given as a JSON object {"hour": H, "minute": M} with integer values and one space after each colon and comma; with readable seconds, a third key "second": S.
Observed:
{"hour": 6, "minute": 33, "second": 4}
